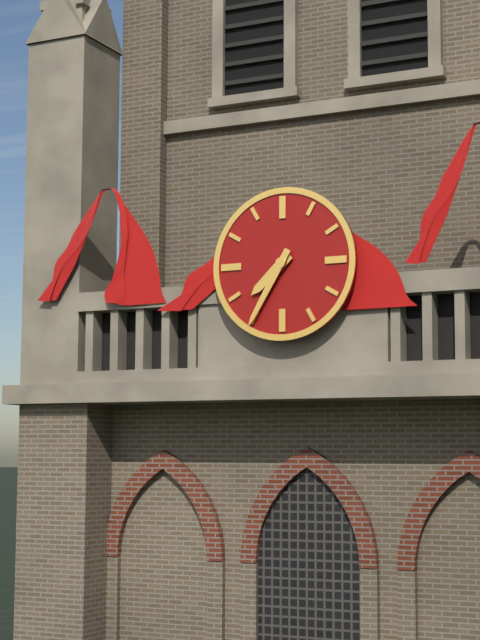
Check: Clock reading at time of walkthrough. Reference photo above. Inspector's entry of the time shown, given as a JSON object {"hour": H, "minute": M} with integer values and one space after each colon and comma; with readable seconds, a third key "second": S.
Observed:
{"hour": 7, "minute": 35}
